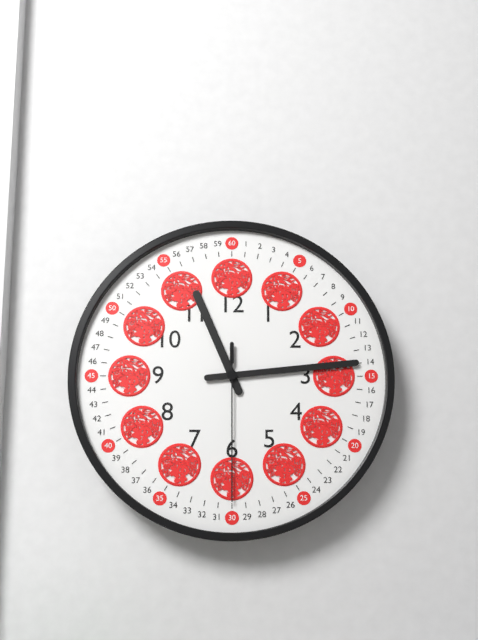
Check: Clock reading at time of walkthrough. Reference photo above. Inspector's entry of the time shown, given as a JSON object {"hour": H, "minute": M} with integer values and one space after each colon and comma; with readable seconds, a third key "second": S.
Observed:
{"hour": 11, "minute": 14, "second": 30}
